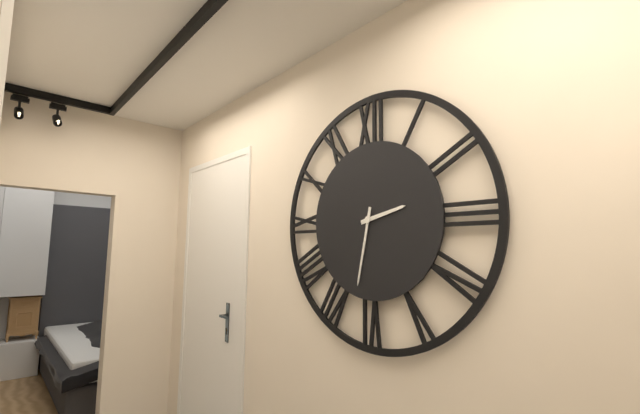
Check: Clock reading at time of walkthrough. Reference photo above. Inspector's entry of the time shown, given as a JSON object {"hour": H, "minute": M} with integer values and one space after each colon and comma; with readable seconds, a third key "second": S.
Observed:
{"hour": 2, "minute": 32}
